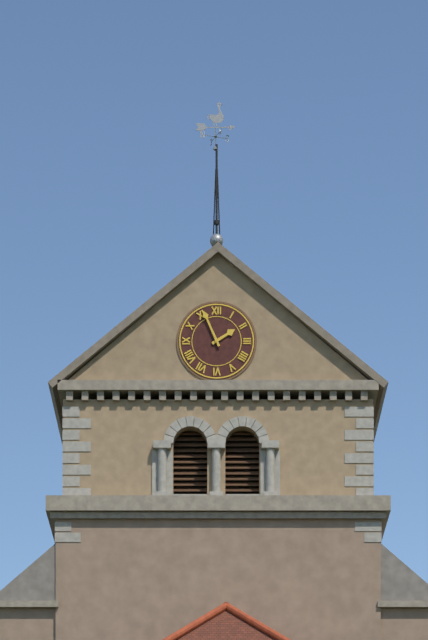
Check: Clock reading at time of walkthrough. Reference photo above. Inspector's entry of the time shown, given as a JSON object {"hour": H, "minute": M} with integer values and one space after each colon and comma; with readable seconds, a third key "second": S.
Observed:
{"hour": 1, "minute": 56}
